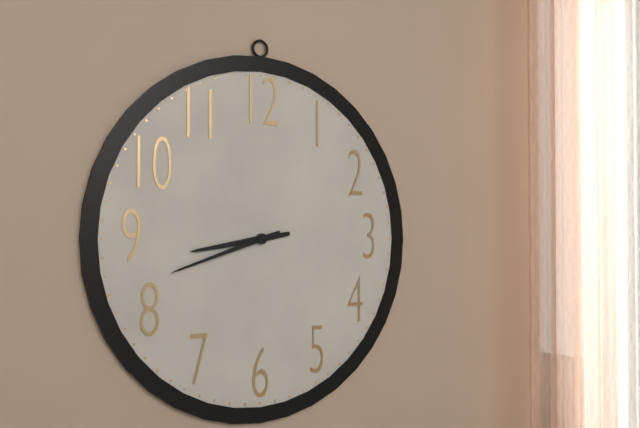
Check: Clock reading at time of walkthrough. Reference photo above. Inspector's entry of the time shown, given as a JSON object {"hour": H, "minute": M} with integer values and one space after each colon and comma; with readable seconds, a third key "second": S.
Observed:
{"hour": 8, "minute": 42}
